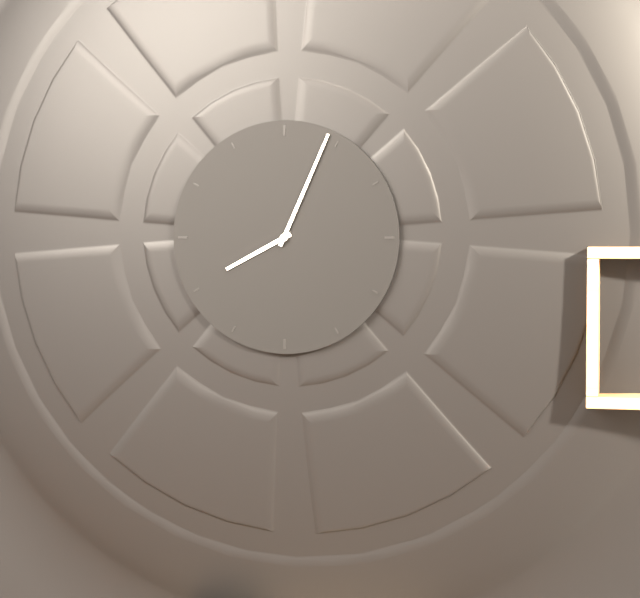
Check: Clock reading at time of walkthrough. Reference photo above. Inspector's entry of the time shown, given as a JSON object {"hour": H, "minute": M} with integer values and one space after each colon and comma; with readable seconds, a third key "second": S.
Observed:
{"hour": 8, "minute": 4}
